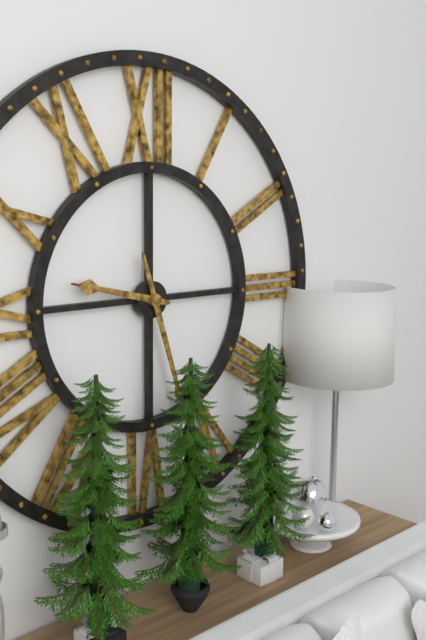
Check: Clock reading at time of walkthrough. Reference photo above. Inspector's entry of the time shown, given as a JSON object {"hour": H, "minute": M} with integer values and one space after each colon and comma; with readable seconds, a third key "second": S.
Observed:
{"hour": 9, "minute": 27}
